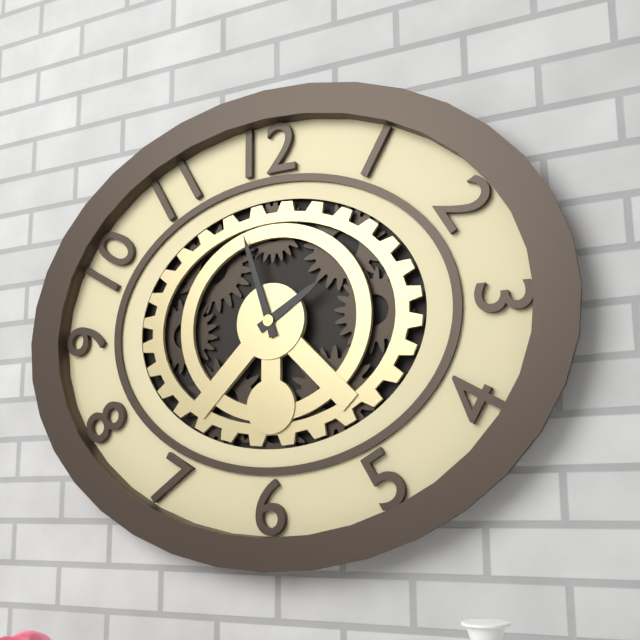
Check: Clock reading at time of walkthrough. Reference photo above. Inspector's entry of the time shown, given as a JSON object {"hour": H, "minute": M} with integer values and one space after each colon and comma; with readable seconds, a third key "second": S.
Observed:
{"hour": 1, "minute": 57}
